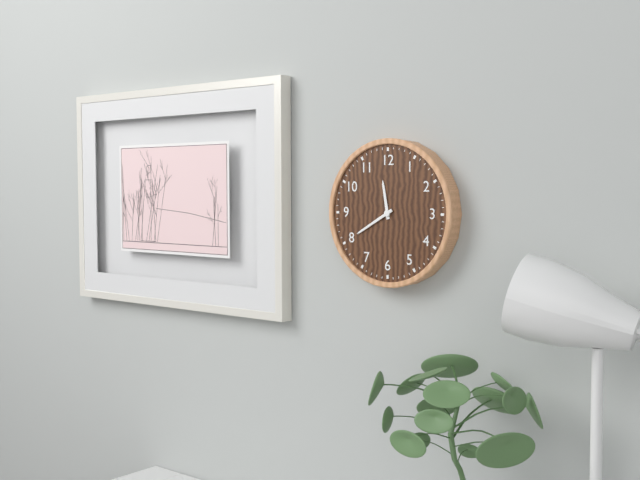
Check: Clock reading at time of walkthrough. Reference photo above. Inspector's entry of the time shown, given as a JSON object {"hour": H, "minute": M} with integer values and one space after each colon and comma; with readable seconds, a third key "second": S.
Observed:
{"hour": 11, "minute": 40}
